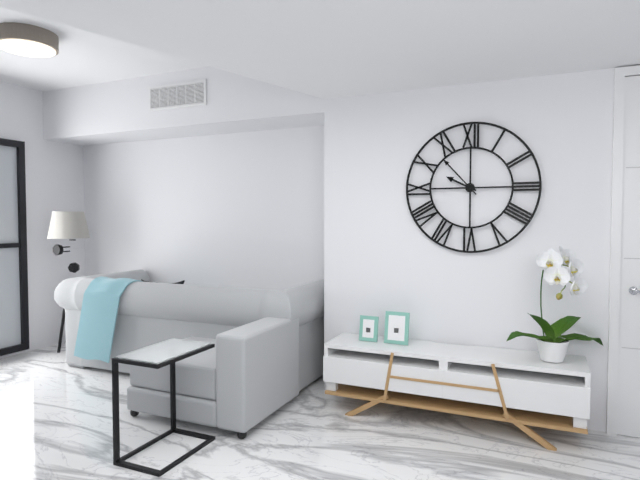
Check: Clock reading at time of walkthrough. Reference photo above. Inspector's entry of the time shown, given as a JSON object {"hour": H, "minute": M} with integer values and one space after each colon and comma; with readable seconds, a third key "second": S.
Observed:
{"hour": 9, "minute": 53}
